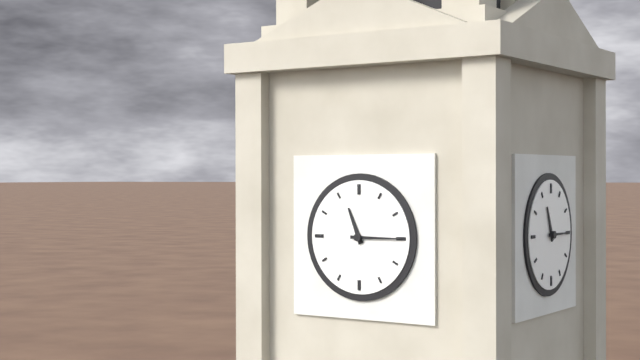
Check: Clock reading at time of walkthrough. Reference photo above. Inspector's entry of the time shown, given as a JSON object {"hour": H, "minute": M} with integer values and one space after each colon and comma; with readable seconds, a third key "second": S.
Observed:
{"hour": 11, "minute": 15}
